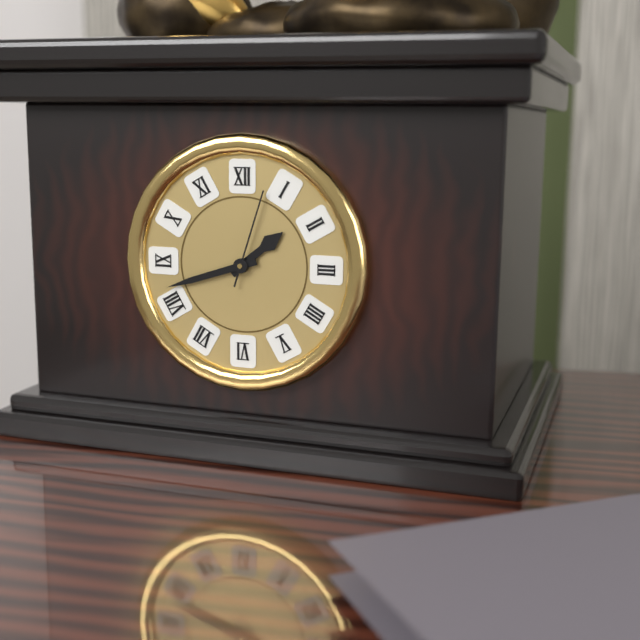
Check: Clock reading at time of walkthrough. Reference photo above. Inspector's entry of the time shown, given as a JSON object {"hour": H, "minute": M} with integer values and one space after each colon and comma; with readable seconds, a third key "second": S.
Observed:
{"hour": 1, "minute": 42, "second": 3}
